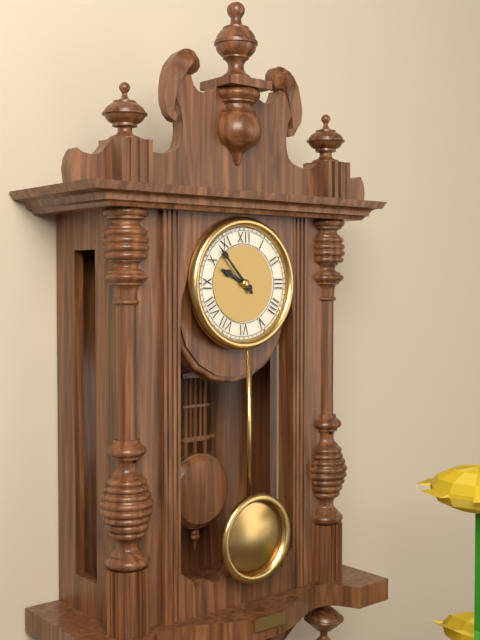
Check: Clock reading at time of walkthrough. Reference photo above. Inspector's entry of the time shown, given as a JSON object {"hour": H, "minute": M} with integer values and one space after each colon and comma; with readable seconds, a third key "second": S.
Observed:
{"hour": 9, "minute": 53}
